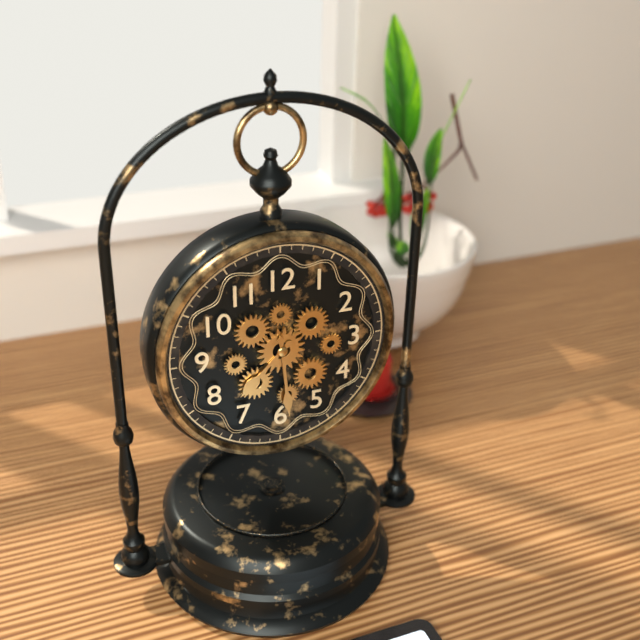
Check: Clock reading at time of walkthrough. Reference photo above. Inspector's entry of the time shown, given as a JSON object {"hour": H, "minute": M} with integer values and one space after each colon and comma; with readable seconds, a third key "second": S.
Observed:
{"hour": 7, "minute": 29}
